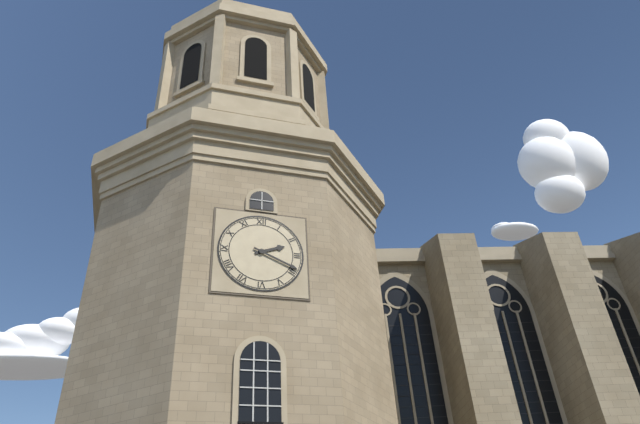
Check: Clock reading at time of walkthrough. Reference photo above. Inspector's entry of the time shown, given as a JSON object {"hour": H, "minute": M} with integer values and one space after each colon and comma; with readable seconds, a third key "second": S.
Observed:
{"hour": 2, "minute": 19}
